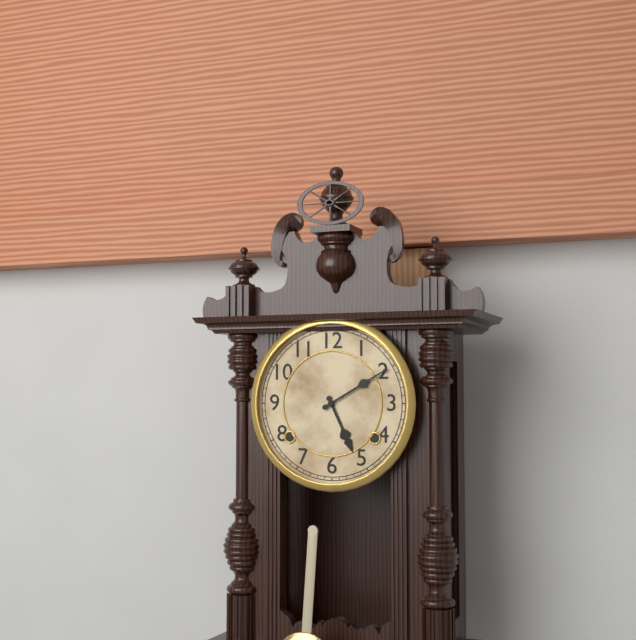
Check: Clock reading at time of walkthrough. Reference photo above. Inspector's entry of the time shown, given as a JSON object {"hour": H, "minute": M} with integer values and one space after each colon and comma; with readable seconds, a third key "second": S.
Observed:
{"hour": 5, "minute": 10}
